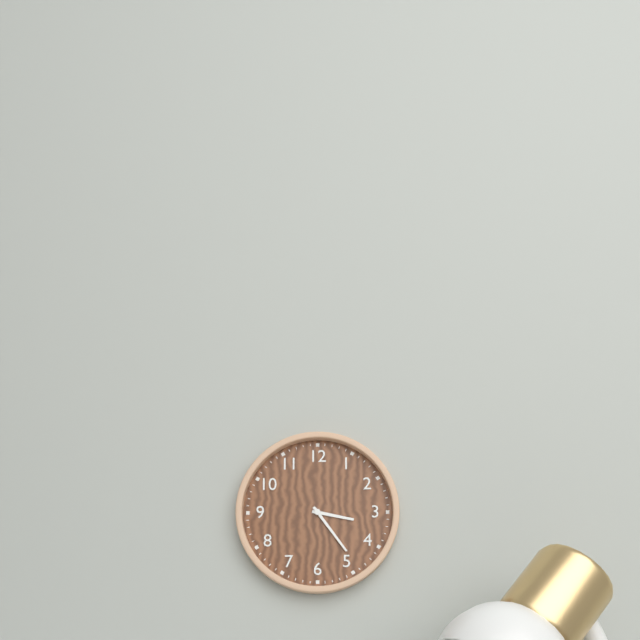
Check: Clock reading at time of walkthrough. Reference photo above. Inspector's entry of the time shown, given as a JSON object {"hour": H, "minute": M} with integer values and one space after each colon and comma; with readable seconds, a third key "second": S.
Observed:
{"hour": 3, "minute": 24}
